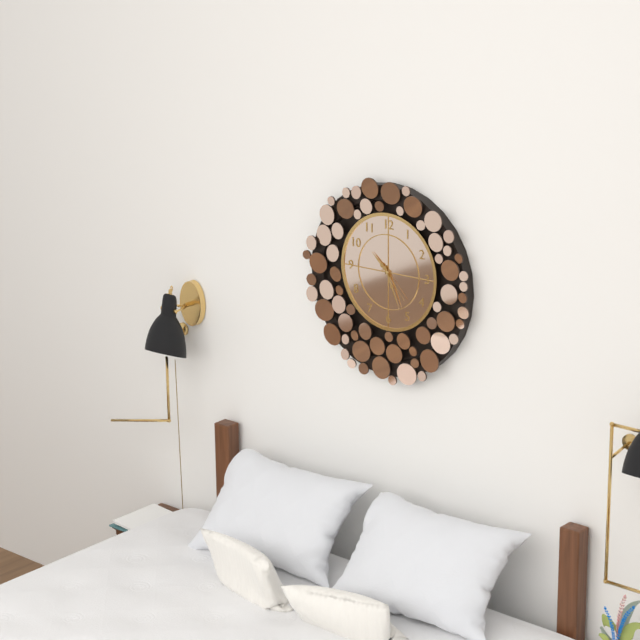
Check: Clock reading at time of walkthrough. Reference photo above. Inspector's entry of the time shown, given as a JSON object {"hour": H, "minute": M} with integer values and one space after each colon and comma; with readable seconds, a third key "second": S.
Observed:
{"hour": 10, "minute": 26}
